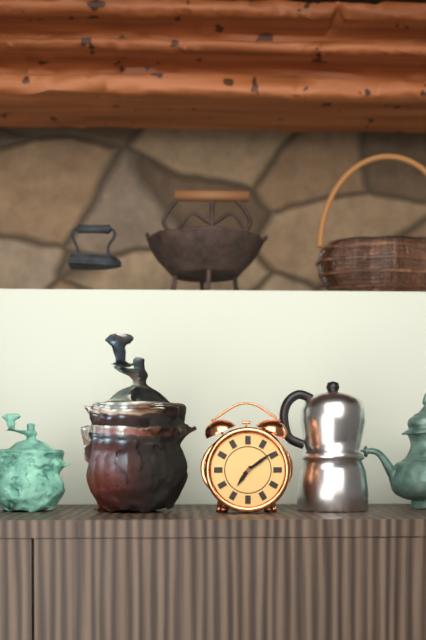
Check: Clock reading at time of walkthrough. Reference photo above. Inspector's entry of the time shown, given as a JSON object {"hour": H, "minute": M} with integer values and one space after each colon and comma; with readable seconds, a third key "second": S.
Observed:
{"hour": 7, "minute": 9}
